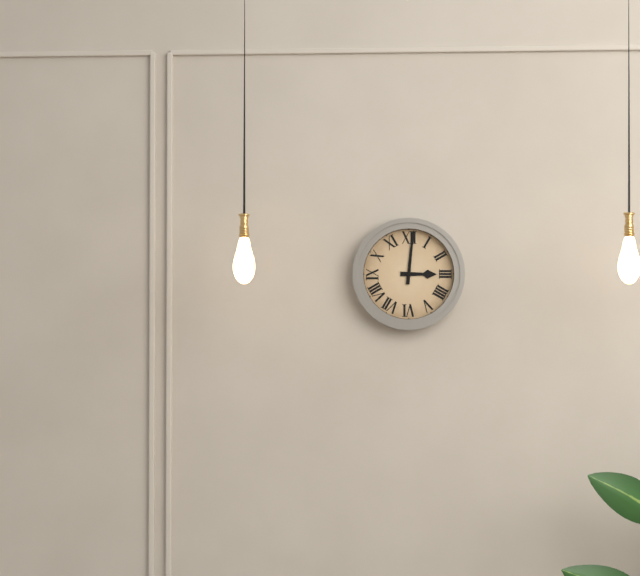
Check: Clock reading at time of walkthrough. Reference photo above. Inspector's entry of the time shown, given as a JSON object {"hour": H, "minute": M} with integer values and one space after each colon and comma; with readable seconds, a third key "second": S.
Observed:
{"hour": 3, "minute": 1}
